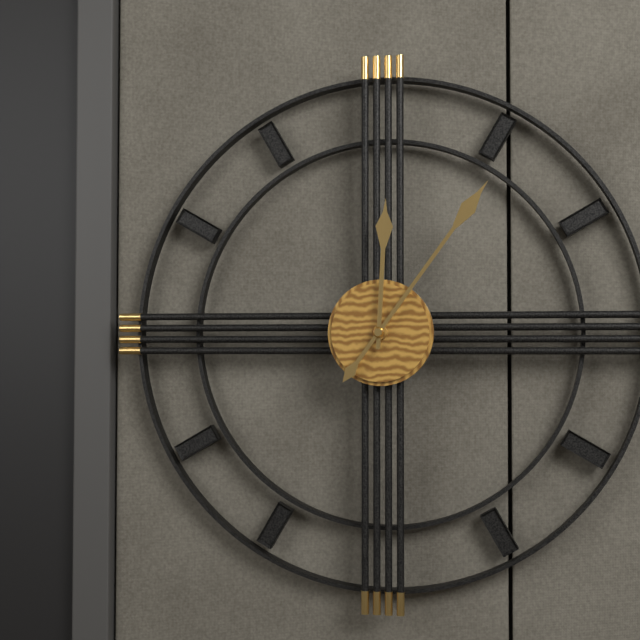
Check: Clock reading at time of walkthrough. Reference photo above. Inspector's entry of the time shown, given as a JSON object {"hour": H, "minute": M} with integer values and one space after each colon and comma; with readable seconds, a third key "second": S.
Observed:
{"hour": 12, "minute": 6}
